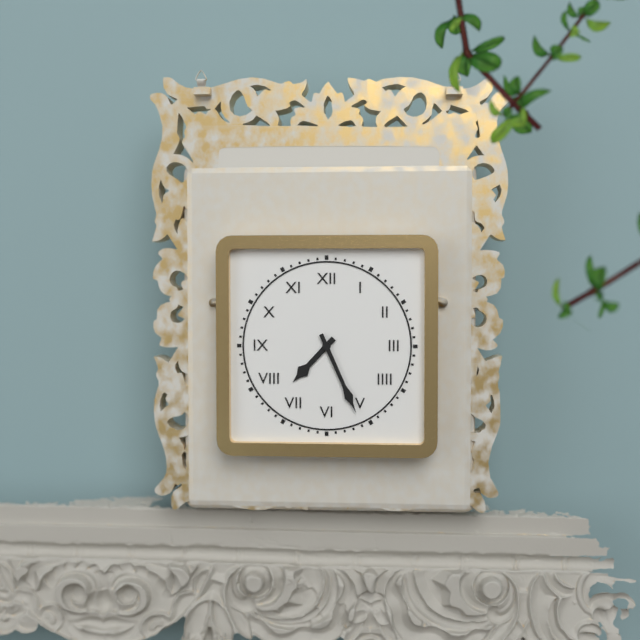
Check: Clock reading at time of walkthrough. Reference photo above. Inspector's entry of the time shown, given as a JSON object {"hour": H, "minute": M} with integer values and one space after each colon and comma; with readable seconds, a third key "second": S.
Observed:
{"hour": 7, "minute": 26}
